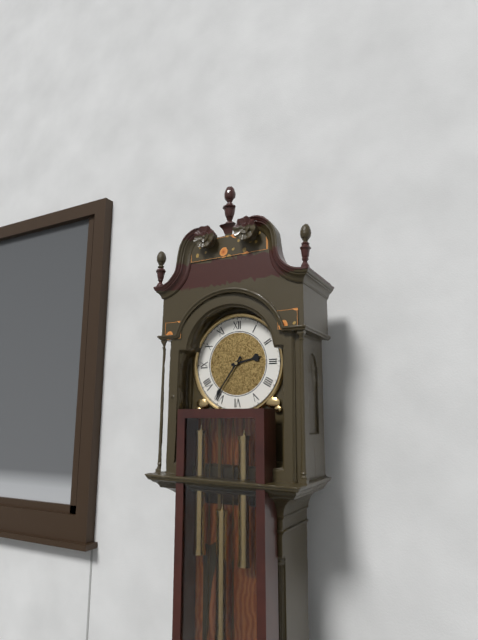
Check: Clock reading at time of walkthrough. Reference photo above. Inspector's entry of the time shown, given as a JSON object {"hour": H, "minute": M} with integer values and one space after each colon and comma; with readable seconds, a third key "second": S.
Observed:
{"hour": 2, "minute": 36}
